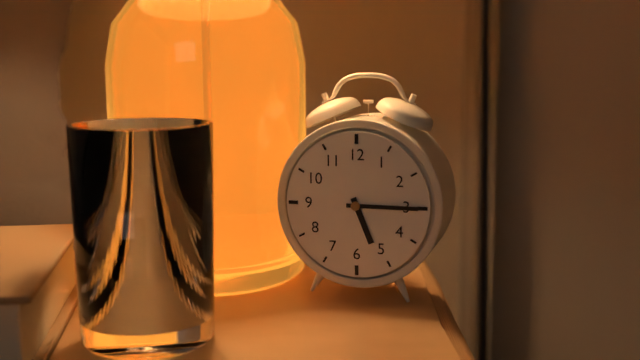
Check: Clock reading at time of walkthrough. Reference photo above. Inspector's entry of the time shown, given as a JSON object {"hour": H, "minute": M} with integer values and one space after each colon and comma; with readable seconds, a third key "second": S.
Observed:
{"hour": 5, "minute": 15}
